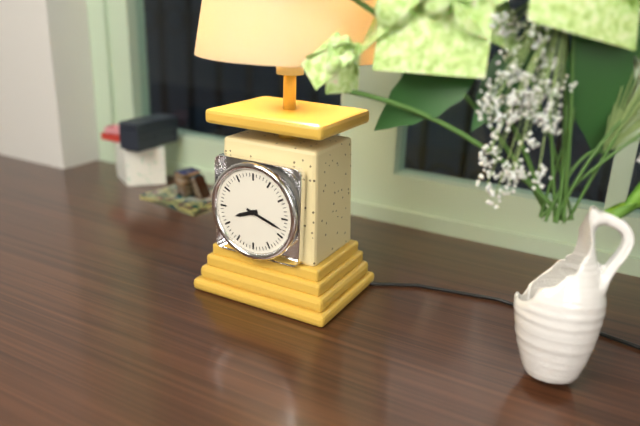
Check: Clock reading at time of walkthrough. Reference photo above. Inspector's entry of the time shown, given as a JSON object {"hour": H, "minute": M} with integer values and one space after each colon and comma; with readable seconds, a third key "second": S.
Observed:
{"hour": 8, "minute": 18}
